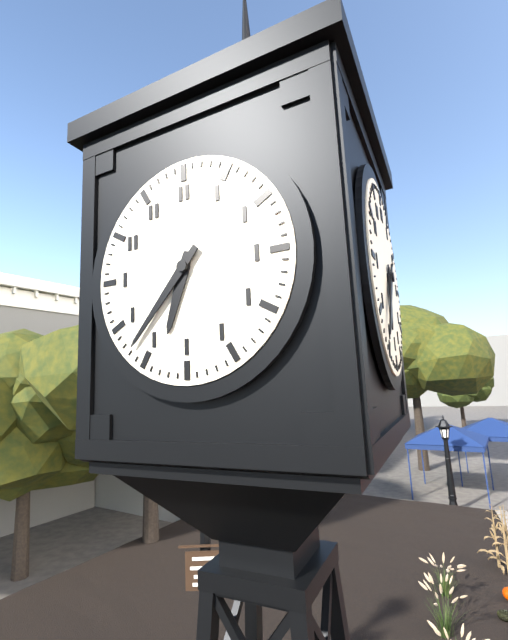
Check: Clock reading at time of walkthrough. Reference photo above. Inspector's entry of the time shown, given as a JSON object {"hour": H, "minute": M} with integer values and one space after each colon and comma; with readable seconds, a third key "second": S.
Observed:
{"hour": 6, "minute": 37}
